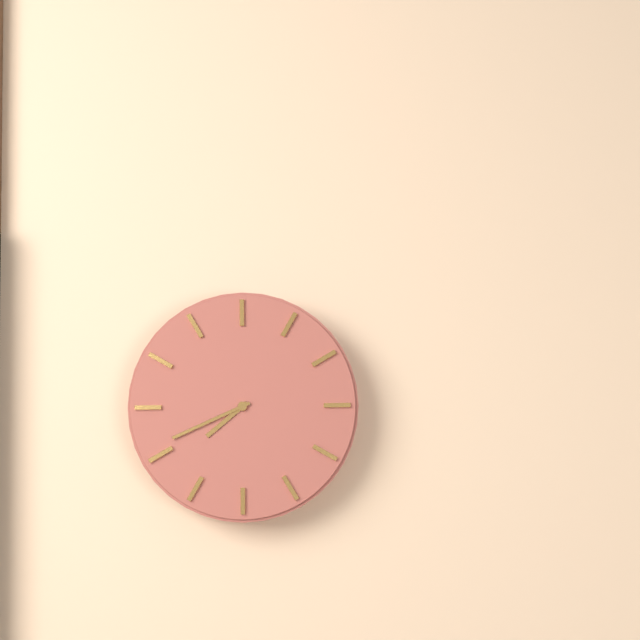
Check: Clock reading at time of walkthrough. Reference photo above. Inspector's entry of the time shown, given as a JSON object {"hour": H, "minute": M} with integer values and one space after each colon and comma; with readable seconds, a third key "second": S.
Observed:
{"hour": 7, "minute": 41}
